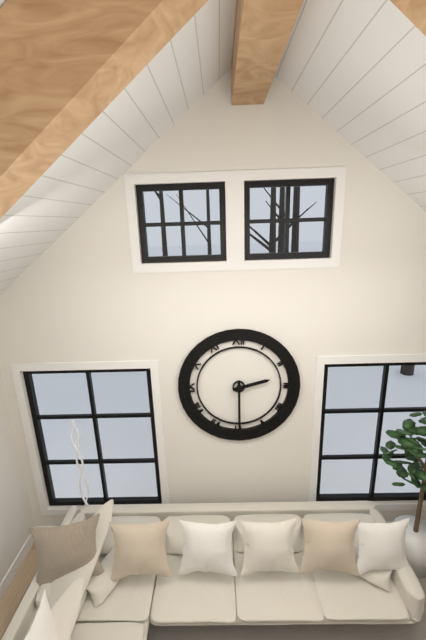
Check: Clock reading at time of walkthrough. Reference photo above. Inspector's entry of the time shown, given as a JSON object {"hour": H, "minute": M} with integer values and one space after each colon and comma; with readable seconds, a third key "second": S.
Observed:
{"hour": 2, "minute": 30}
